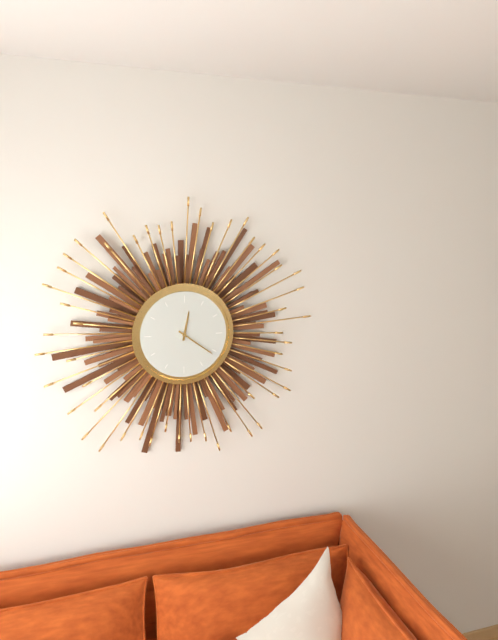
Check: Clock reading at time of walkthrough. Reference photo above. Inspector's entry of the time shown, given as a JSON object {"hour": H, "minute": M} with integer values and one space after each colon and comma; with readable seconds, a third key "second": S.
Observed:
{"hour": 12, "minute": 21}
